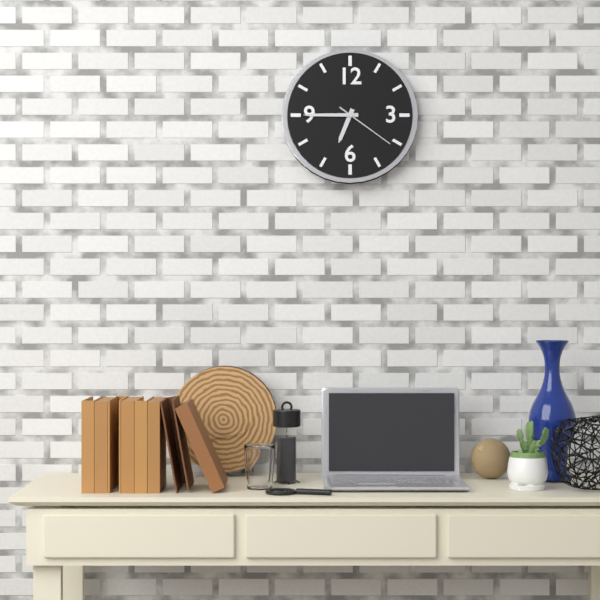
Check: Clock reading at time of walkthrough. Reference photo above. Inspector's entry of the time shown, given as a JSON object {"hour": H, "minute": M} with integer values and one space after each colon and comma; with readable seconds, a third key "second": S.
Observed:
{"hour": 6, "minute": 45, "second": 21}
